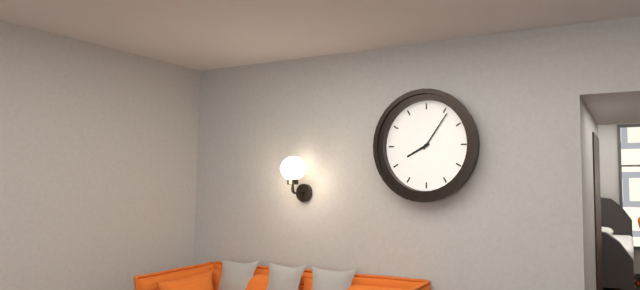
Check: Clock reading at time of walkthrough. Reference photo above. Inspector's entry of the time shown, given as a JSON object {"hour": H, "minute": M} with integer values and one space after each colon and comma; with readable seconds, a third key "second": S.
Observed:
{"hour": 8, "minute": 6}
